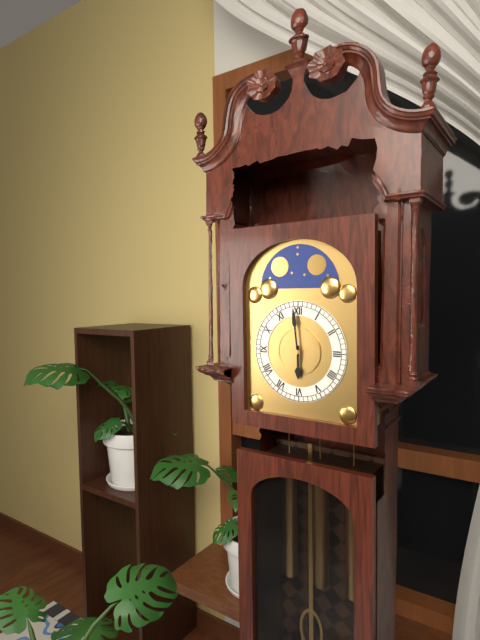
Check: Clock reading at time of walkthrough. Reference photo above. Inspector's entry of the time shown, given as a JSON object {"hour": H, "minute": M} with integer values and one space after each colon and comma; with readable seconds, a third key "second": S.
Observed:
{"hour": 5, "minute": 59}
